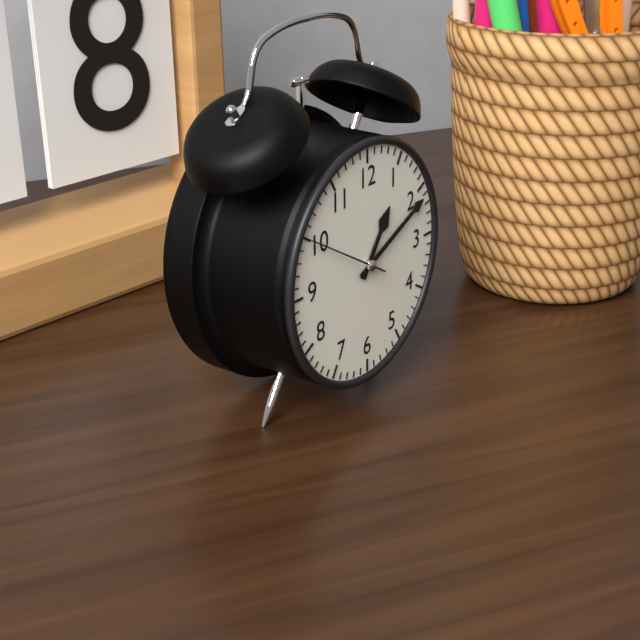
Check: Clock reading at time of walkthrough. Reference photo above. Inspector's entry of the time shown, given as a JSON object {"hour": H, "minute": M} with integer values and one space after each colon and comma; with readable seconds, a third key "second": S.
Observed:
{"hour": 1, "minute": 11, "second": 50}
